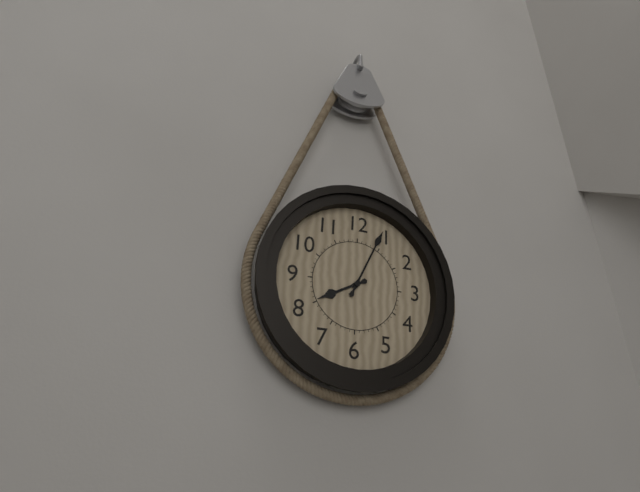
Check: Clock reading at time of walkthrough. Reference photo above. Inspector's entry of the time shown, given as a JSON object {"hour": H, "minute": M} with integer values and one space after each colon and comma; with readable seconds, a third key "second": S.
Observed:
{"hour": 8, "minute": 4}
